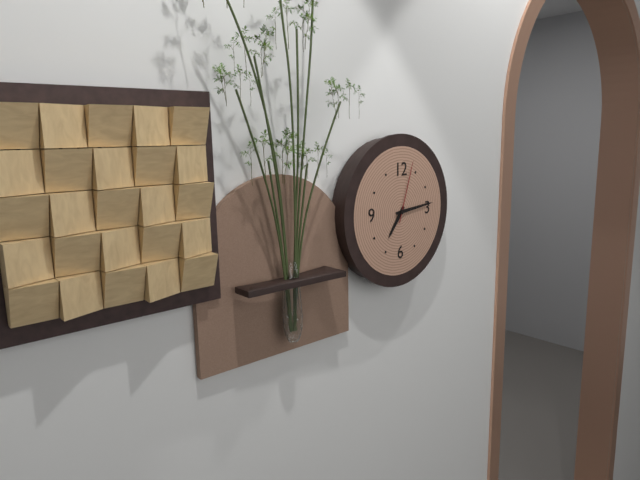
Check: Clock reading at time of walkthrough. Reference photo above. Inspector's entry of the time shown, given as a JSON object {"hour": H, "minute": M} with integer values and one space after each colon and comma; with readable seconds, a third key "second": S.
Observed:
{"hour": 7, "minute": 14, "second": 3}
